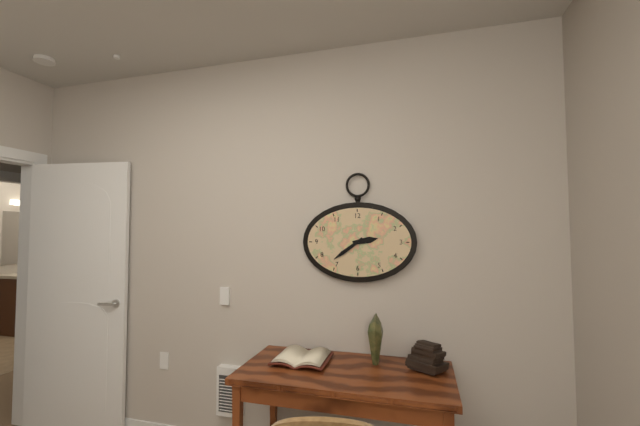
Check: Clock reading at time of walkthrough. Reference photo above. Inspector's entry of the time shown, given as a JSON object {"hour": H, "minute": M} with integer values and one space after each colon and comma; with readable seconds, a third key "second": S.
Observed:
{"hour": 2, "minute": 39}
